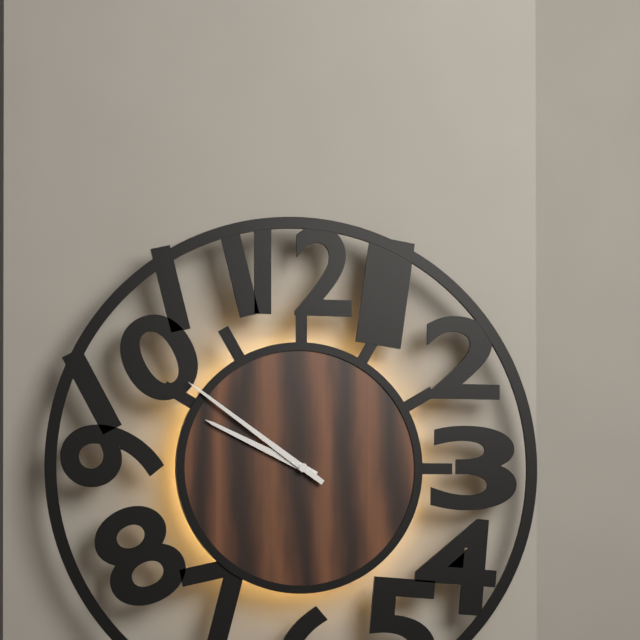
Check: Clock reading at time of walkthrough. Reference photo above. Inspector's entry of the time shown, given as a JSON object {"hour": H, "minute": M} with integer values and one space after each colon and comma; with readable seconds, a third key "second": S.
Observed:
{"hour": 9, "minute": 51}
